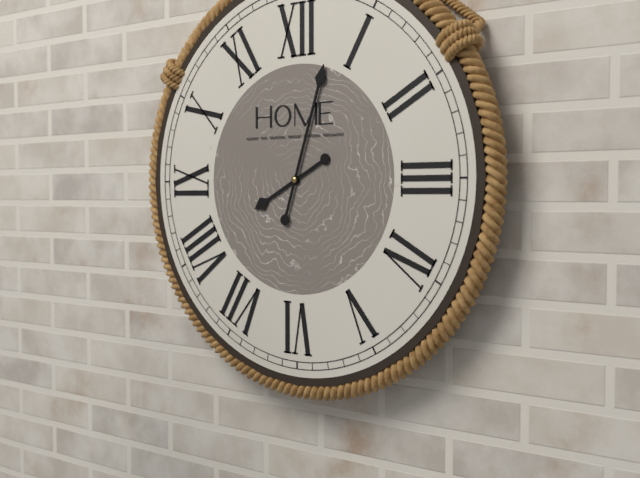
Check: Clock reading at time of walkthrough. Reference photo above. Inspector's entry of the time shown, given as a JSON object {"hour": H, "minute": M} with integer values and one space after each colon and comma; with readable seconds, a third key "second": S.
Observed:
{"hour": 8, "minute": 3}
